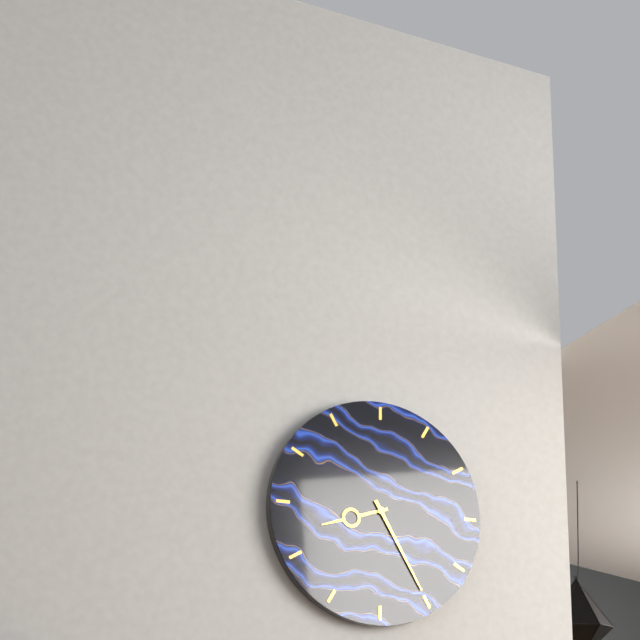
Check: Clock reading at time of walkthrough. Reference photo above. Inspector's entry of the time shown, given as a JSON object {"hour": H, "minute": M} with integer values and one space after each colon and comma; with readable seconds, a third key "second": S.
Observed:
{"hour": 8, "minute": 25}
